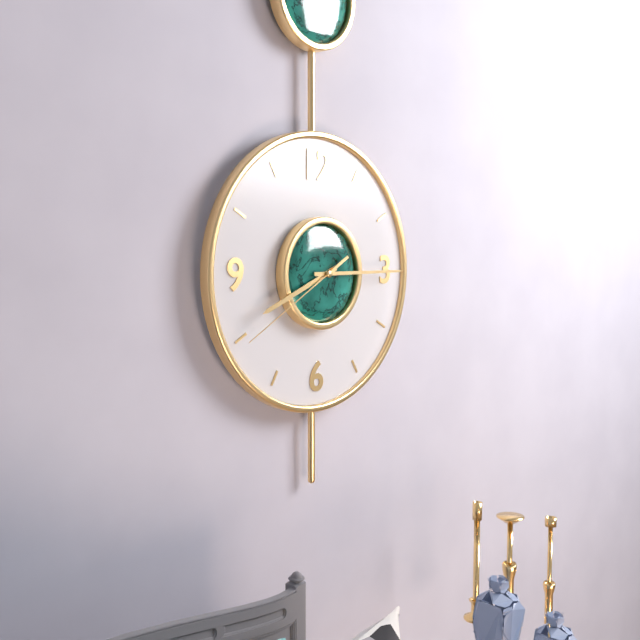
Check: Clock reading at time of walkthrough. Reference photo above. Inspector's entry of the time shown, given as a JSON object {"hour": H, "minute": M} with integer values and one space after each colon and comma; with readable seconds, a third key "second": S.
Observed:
{"hour": 8, "minute": 15, "second": 40}
